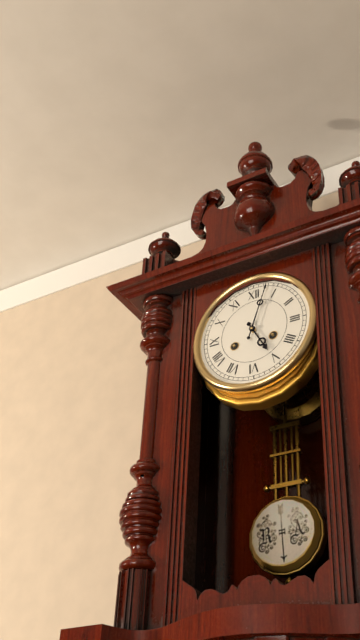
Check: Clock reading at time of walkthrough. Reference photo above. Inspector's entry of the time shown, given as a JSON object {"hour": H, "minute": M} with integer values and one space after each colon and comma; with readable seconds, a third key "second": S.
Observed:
{"hour": 5, "minute": 3}
